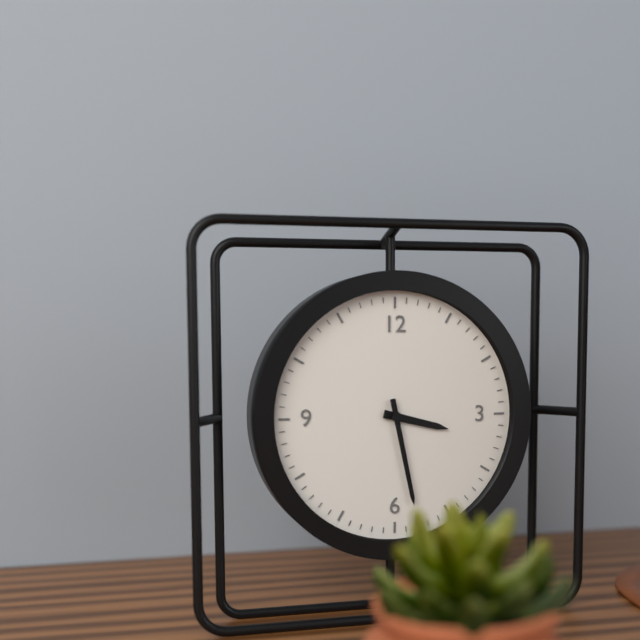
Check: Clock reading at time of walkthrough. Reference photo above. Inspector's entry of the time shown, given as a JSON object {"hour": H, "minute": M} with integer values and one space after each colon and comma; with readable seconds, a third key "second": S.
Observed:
{"hour": 3, "minute": 28}
